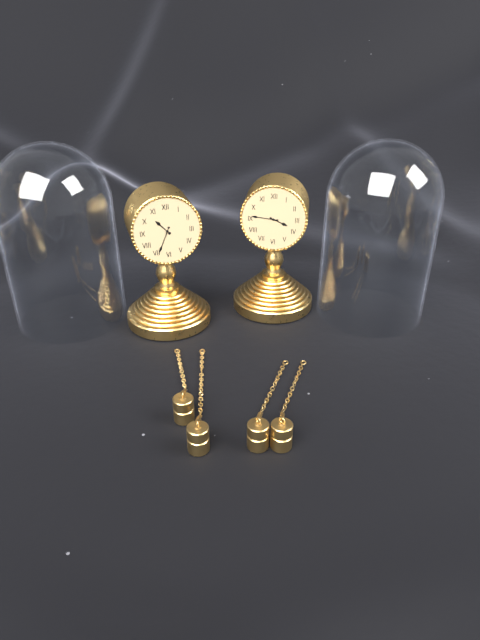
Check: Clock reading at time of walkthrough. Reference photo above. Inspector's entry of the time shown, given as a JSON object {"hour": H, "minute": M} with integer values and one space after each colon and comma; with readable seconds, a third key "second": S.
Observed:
{"hour": 10, "minute": 34}
